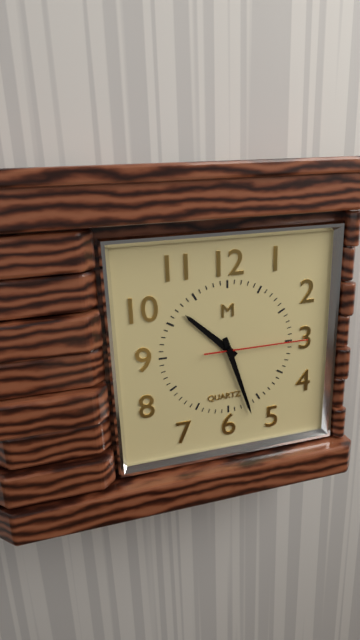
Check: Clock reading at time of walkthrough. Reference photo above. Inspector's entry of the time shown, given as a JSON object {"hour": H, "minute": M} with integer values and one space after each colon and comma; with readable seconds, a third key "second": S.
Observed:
{"hour": 10, "minute": 27, "second": 15}
